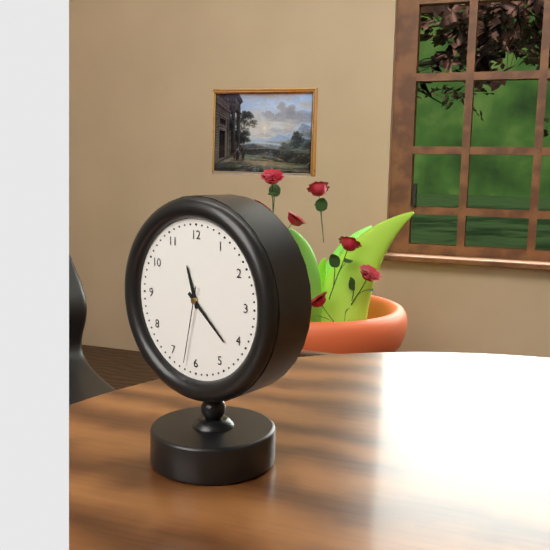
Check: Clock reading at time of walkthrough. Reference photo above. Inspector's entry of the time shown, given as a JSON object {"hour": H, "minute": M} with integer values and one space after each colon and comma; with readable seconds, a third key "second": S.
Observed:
{"hour": 11, "minute": 22, "second": 32}
